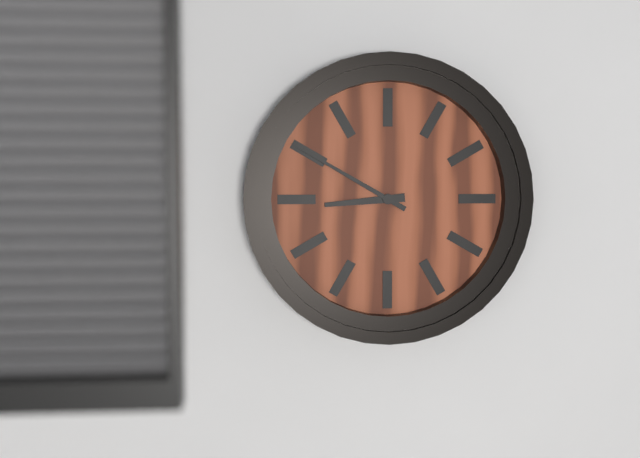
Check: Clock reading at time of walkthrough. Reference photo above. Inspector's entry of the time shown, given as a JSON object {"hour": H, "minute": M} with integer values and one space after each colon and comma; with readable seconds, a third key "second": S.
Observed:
{"hour": 8, "minute": 50}
